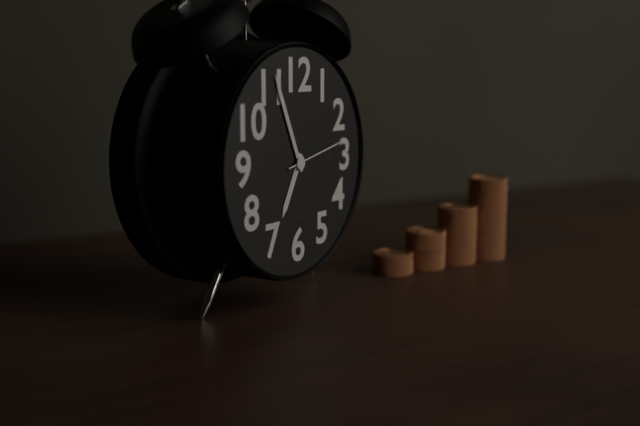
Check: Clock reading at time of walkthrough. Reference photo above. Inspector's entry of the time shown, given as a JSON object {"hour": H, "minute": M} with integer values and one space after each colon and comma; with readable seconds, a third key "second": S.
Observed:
{"hour": 6, "minute": 56, "second": 13}
